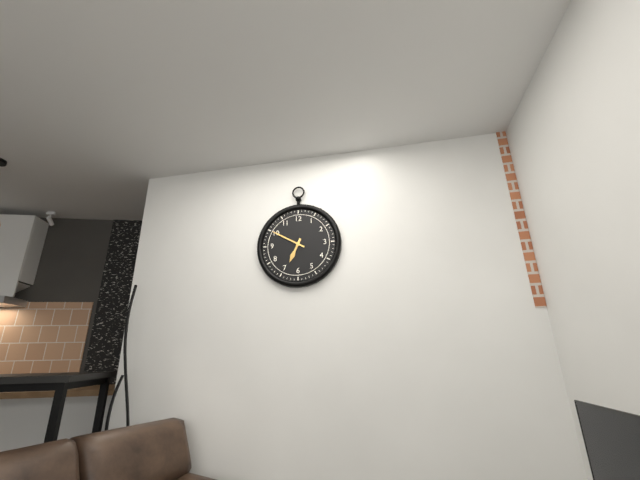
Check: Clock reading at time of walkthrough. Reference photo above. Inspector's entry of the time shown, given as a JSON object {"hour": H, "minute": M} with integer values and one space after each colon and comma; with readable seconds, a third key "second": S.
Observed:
{"hour": 6, "minute": 50}
